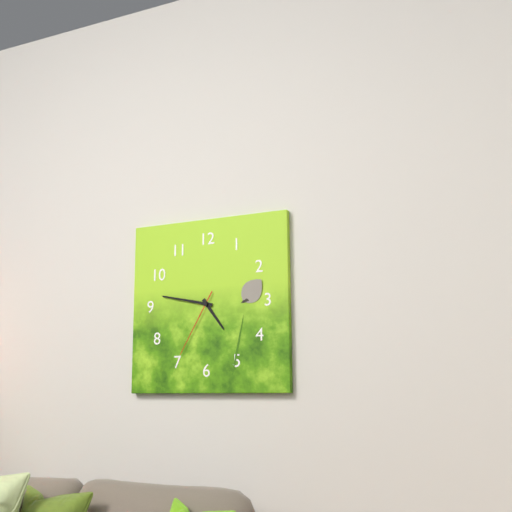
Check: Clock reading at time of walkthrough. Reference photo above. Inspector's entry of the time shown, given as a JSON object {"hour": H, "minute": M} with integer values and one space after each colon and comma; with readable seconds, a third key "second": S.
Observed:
{"hour": 4, "minute": 47, "second": 35}
